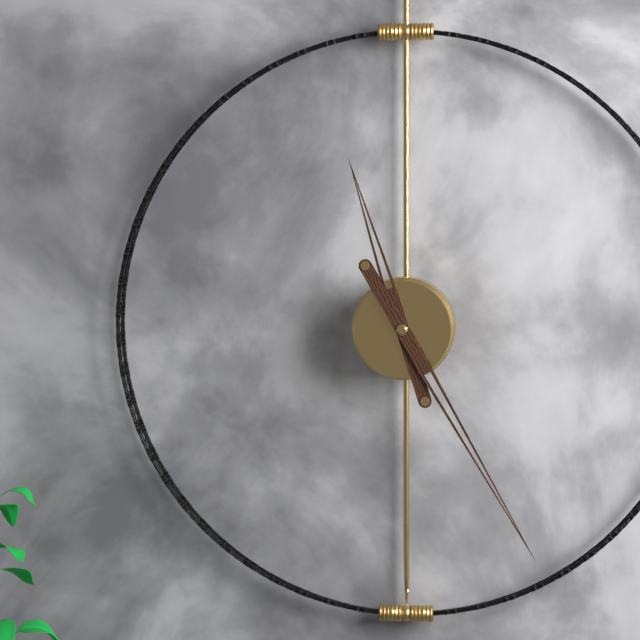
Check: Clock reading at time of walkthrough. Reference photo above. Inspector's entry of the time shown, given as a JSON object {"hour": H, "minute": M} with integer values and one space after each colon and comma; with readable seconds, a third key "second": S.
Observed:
{"hour": 11, "minute": 25}
